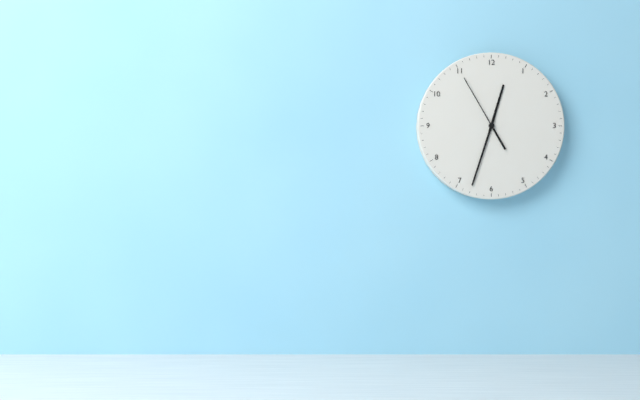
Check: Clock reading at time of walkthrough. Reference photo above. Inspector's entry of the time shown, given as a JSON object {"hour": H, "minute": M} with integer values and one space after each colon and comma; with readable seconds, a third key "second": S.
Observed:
{"hour": 12, "minute": 33, "second": 55}
